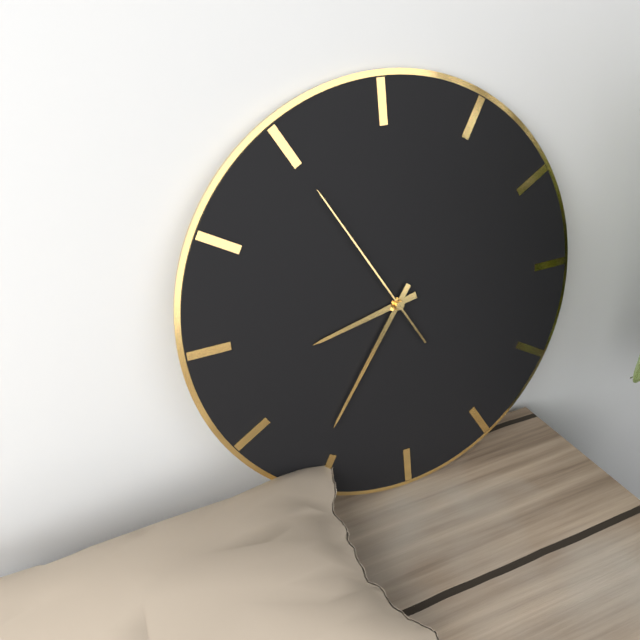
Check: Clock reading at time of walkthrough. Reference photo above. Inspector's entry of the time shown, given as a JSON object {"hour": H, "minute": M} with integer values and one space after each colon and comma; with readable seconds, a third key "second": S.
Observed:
{"hour": 8, "minute": 36, "second": 55}
